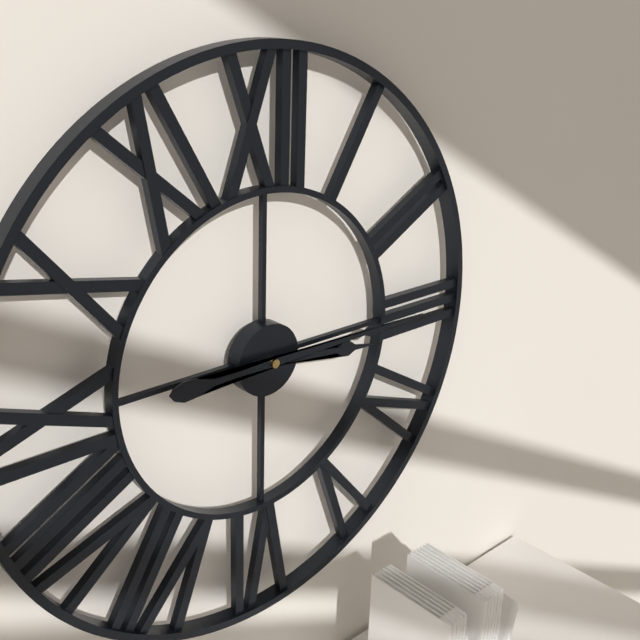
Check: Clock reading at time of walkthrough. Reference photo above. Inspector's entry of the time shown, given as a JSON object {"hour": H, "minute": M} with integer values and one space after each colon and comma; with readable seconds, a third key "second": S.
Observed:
{"hour": 3, "minute": 15}
